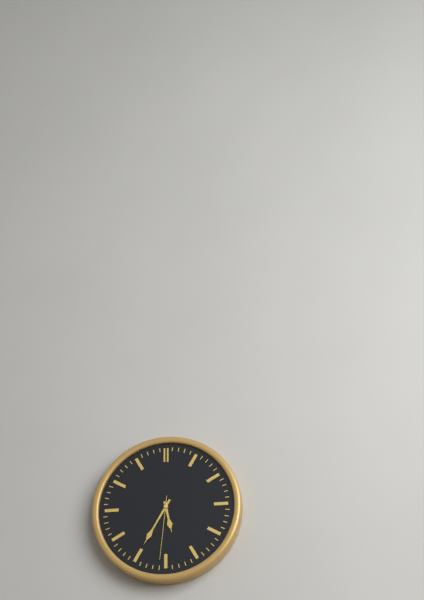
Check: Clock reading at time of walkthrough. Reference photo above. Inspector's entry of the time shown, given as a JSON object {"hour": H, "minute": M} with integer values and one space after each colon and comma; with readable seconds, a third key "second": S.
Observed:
{"hour": 5, "minute": 35, "second": 31}
